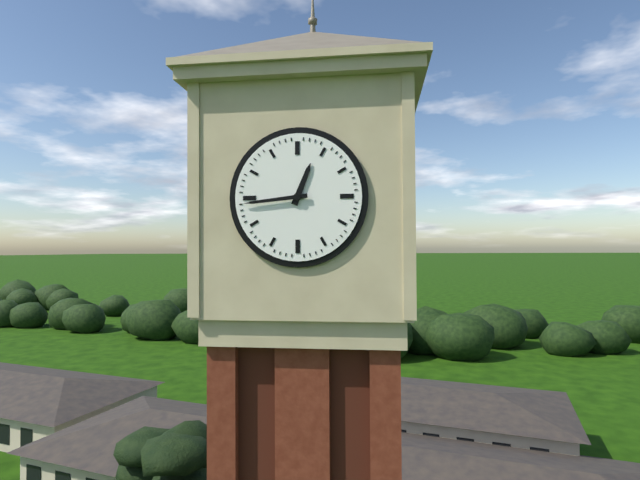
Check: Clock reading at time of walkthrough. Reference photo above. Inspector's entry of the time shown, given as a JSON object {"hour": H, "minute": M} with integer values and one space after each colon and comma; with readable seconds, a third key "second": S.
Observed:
{"hour": 12, "minute": 44}
